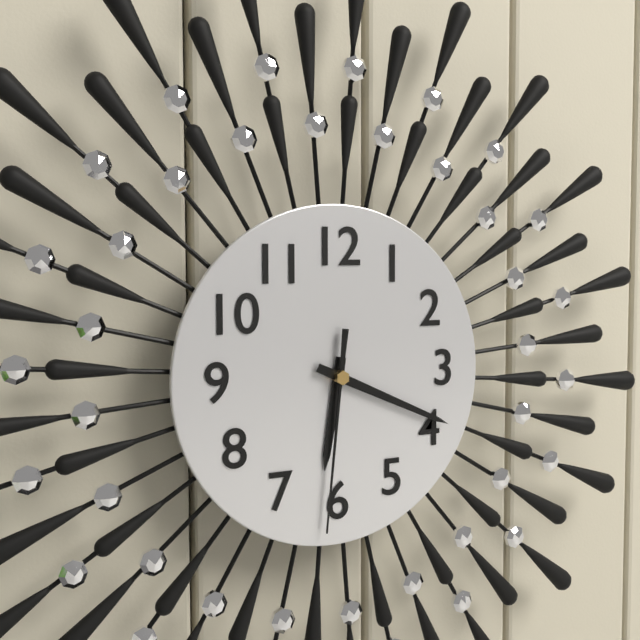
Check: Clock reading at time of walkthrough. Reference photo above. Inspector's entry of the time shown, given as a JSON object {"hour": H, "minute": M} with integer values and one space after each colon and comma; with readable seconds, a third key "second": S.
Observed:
{"hour": 6, "minute": 19, "second": 31}
